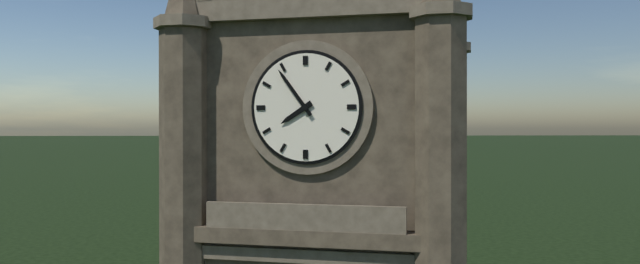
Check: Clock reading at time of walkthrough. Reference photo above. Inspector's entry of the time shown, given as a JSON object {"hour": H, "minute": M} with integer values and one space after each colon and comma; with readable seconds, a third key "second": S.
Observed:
{"hour": 7, "minute": 54}
